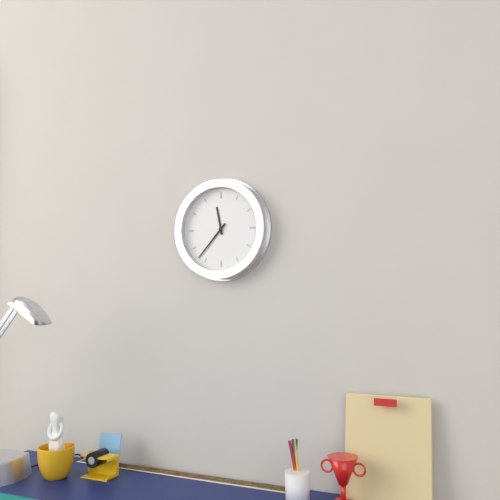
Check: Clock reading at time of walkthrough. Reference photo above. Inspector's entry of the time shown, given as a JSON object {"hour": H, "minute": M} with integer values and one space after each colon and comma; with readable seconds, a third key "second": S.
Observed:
{"hour": 11, "minute": 37}
